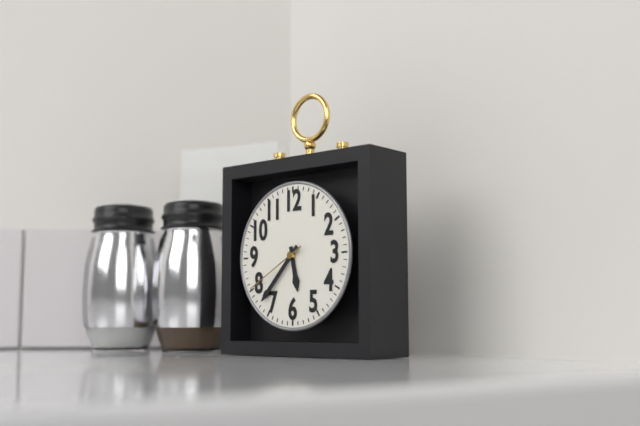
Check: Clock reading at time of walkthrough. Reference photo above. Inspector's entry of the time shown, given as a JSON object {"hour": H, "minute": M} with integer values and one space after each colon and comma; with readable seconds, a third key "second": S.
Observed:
{"hour": 5, "minute": 37, "second": 40}
